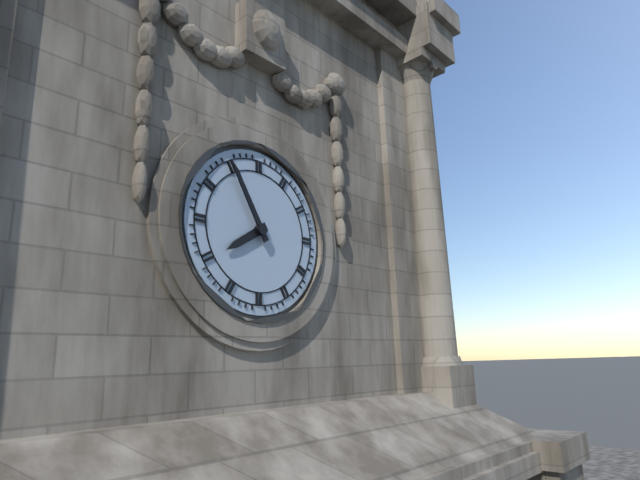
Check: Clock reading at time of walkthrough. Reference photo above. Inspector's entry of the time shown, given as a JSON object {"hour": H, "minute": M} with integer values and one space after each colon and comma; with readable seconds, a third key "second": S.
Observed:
{"hour": 7, "minute": 55}
